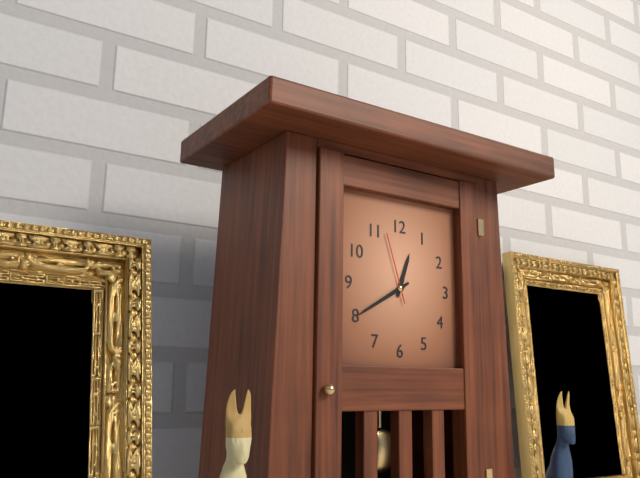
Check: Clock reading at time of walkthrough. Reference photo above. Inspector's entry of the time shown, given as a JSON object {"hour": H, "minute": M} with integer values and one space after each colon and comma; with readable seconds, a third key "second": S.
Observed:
{"hour": 12, "minute": 40, "second": 57}
